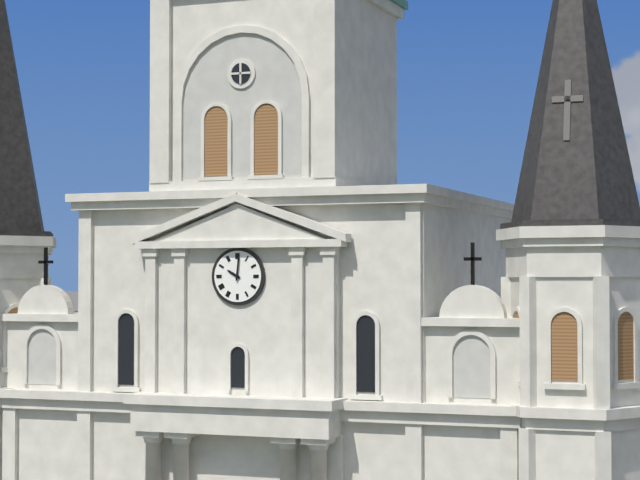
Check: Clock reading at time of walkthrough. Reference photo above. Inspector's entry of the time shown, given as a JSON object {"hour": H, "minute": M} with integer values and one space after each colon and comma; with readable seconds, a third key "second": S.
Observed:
{"hour": 10, "minute": 1}
